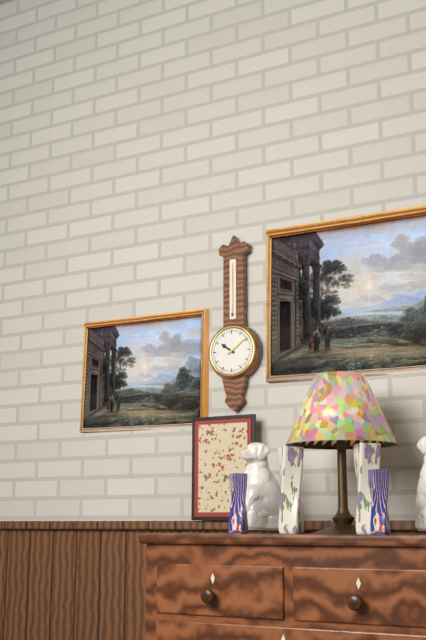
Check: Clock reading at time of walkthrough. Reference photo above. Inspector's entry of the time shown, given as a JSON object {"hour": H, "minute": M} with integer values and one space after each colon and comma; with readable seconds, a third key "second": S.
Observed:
{"hour": 10, "minute": 9}
